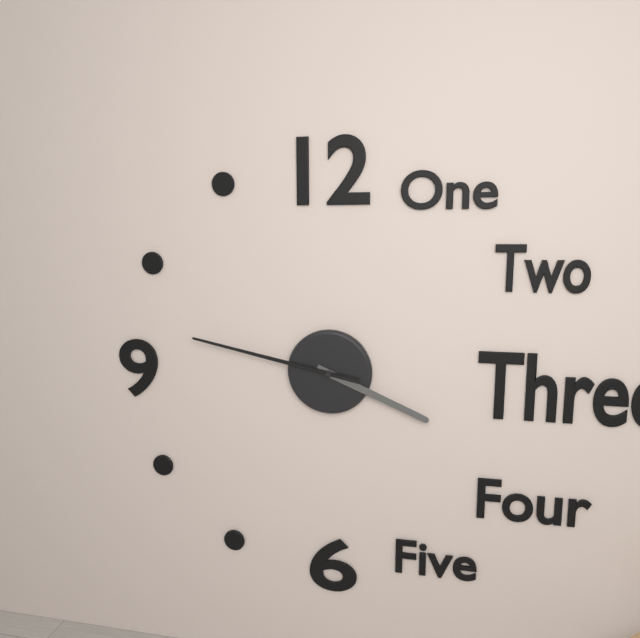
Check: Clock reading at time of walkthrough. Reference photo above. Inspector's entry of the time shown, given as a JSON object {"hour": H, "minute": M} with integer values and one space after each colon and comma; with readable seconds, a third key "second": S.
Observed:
{"hour": 3, "minute": 47, "second": 47}
